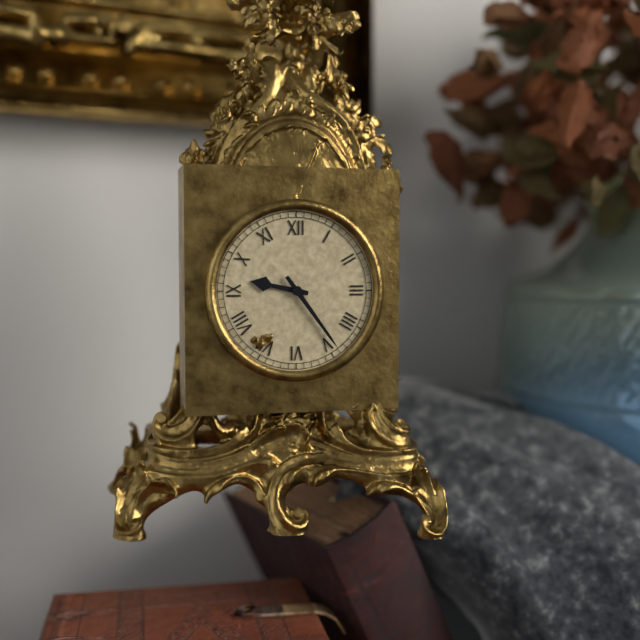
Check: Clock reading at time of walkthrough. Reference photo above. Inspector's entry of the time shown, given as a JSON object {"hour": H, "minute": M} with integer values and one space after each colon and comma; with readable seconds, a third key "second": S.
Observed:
{"hour": 9, "minute": 24}
